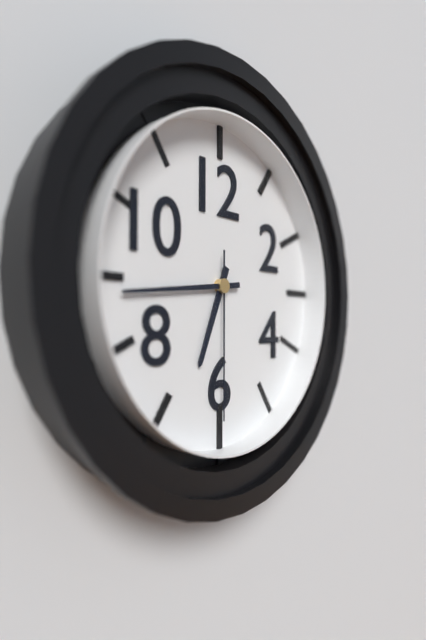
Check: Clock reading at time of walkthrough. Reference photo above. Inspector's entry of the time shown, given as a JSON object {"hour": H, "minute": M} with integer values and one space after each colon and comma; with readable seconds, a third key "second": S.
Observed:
{"hour": 6, "minute": 44, "second": 30}
